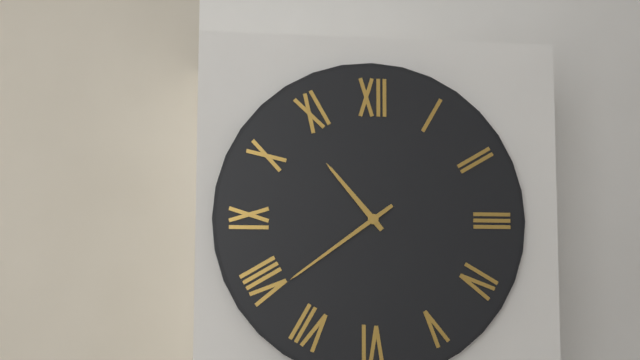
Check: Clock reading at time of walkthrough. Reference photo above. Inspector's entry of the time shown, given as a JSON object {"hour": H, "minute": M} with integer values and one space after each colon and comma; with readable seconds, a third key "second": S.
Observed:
{"hour": 10, "minute": 39}
